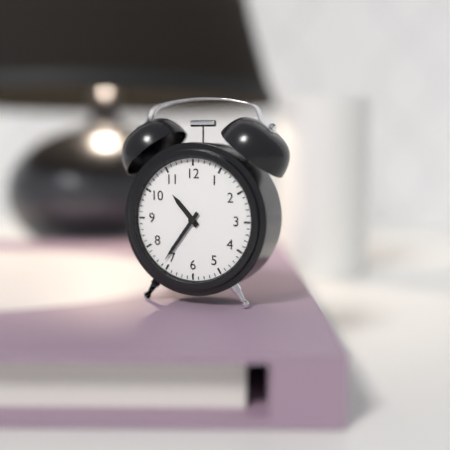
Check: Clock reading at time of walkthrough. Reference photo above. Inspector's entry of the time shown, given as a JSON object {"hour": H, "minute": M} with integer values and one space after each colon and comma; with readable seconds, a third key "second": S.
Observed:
{"hour": 10, "minute": 36}
